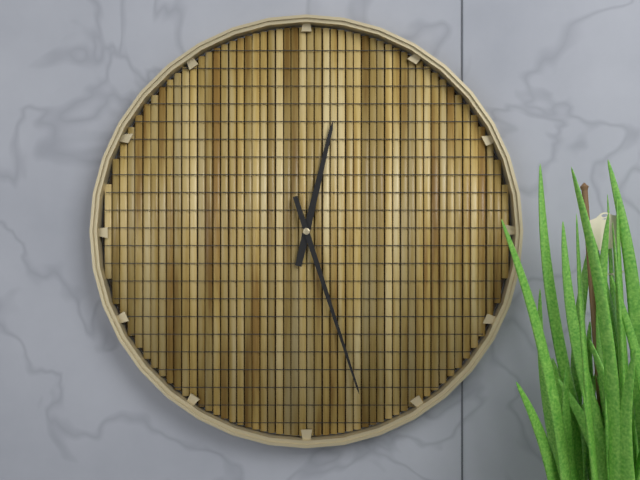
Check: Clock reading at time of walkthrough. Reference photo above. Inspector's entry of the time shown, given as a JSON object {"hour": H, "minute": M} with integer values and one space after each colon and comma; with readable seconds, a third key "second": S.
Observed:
{"hour": 12, "minute": 27}
